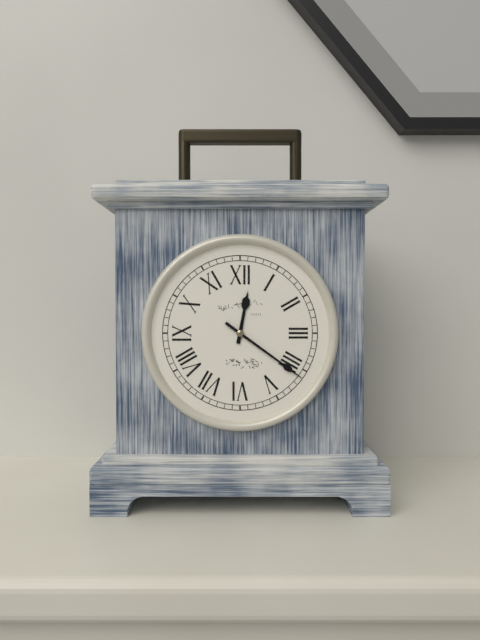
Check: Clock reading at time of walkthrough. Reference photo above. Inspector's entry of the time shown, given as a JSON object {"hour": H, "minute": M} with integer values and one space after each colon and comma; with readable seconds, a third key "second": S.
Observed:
{"hour": 12, "minute": 21}
